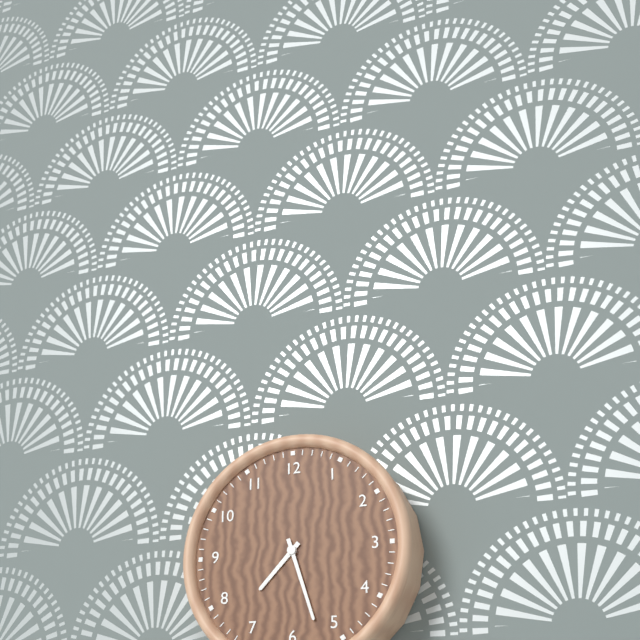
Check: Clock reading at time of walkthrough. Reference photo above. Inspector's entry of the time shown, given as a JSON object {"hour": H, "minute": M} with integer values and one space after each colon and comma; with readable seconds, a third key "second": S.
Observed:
{"hour": 7, "minute": 27}
